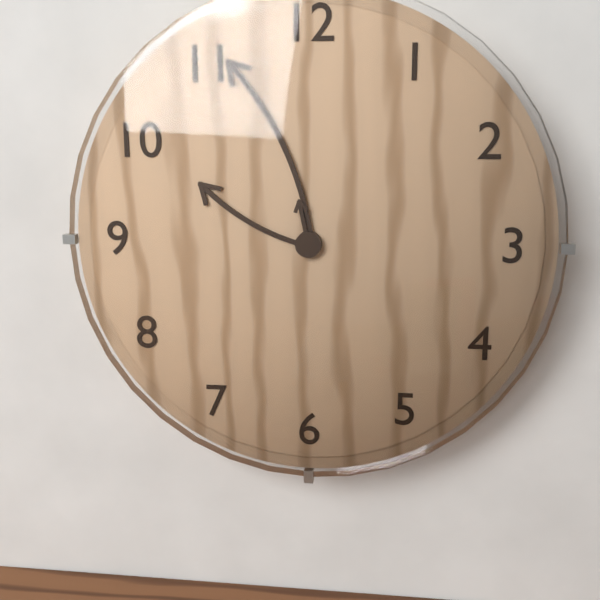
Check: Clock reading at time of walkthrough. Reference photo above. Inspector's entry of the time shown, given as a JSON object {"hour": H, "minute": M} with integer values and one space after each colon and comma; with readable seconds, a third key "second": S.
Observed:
{"hour": 9, "minute": 56, "second": 58}
